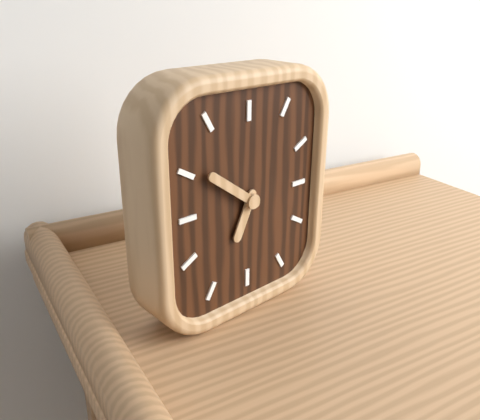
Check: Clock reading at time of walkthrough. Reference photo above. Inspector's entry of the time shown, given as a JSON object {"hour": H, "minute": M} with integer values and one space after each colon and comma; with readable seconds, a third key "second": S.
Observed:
{"hour": 6, "minute": 51}
